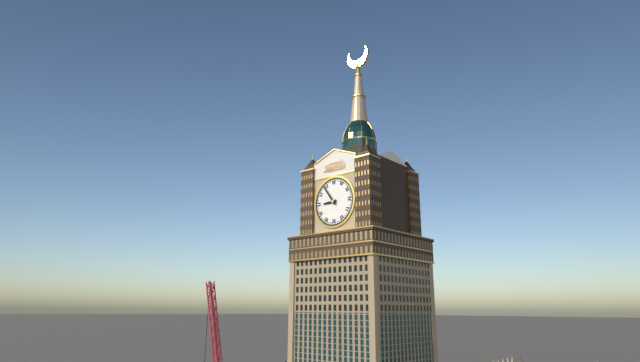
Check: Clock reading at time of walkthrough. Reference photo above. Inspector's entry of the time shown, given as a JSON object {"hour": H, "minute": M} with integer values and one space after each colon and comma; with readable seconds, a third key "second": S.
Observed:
{"hour": 8, "minute": 54}
